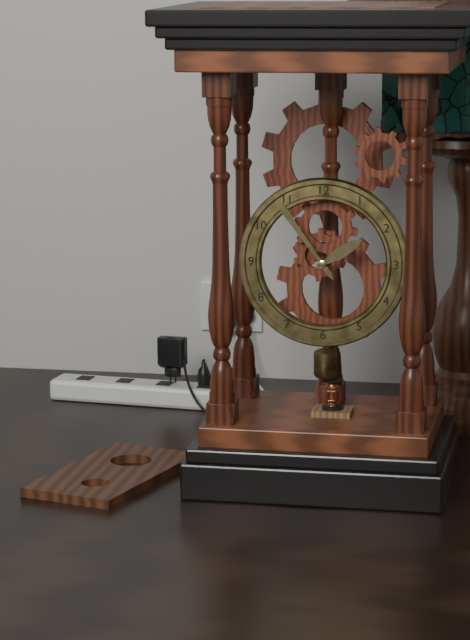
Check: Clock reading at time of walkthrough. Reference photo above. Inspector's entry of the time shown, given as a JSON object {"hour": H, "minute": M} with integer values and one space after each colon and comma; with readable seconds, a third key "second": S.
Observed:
{"hour": 1, "minute": 54}
